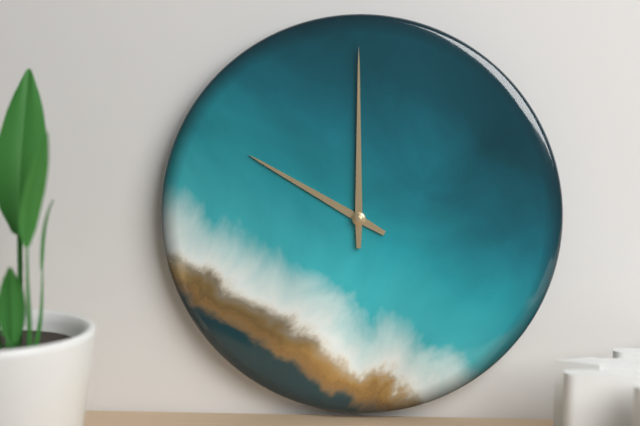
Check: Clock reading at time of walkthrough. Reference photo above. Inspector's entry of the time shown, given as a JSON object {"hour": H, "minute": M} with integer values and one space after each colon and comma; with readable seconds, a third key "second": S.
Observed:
{"hour": 10, "minute": 0}
